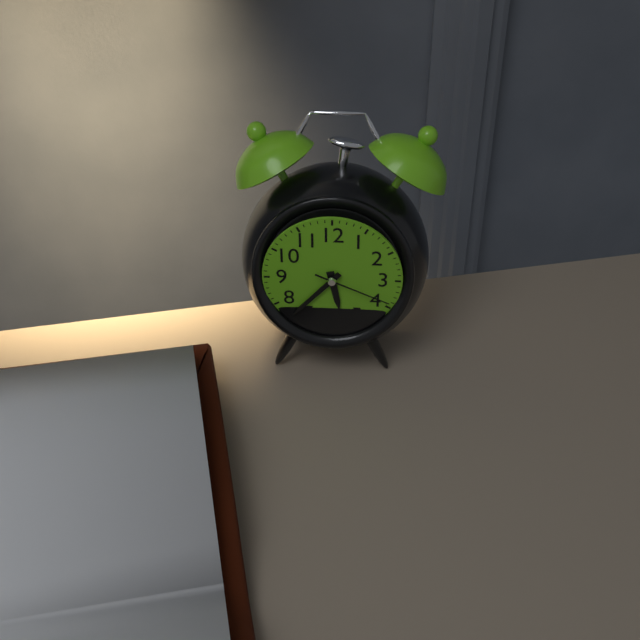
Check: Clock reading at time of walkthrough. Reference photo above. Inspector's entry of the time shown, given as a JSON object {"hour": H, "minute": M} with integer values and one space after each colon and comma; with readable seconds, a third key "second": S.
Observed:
{"hour": 5, "minute": 37, "second": 19}
